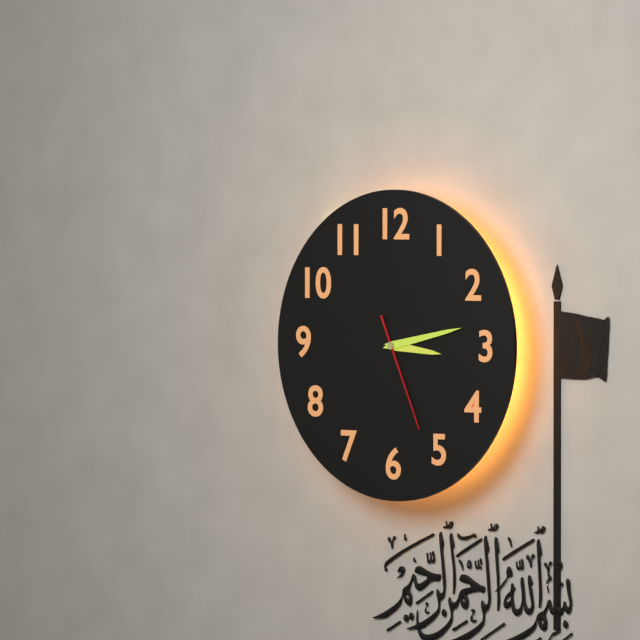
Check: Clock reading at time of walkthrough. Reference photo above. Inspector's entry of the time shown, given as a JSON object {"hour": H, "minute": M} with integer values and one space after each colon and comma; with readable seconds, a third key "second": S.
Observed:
{"hour": 3, "minute": 13, "second": 26}
